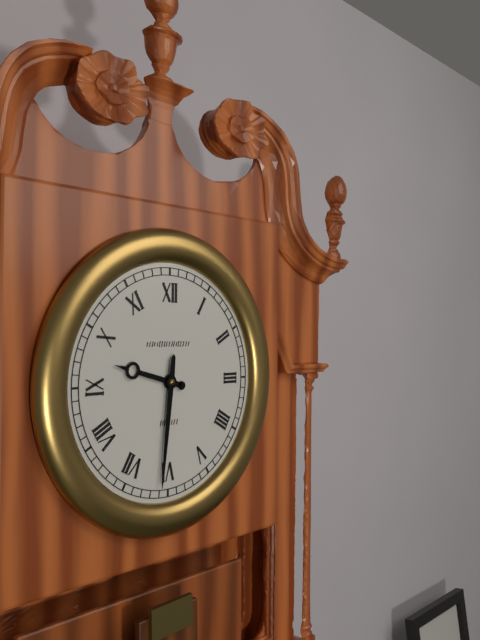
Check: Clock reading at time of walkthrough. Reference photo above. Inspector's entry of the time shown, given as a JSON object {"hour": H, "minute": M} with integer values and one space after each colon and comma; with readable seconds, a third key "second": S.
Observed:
{"hour": 9, "minute": 31}
